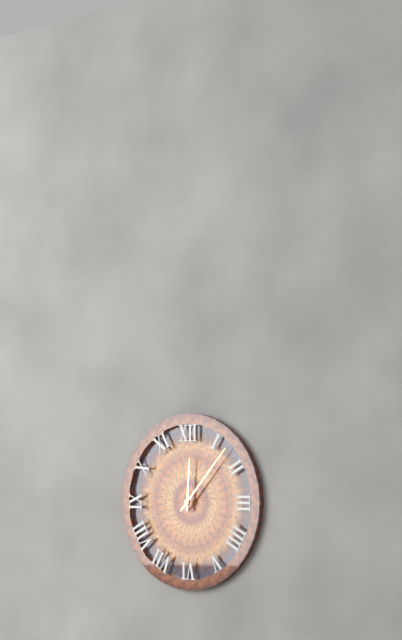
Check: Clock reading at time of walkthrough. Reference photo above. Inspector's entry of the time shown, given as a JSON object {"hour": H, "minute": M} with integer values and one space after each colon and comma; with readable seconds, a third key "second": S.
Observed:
{"hour": 12, "minute": 7}
